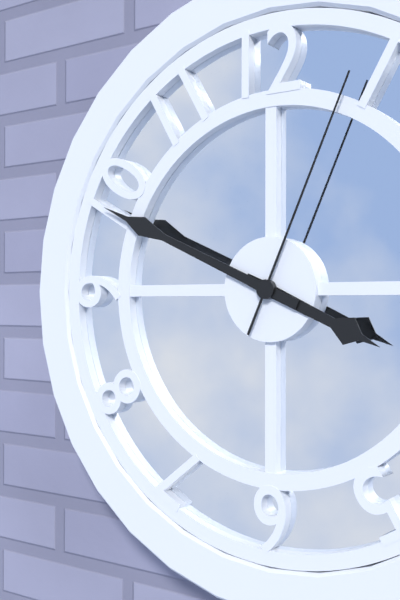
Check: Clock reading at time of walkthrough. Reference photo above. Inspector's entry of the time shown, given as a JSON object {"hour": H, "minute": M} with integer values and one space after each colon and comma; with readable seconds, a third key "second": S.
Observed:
{"hour": 3, "minute": 49, "second": 4}
